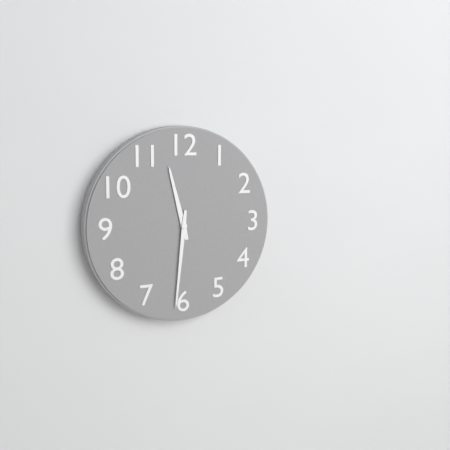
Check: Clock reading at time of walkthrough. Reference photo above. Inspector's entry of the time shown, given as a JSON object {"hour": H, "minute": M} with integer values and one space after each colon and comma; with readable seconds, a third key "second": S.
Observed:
{"hour": 11, "minute": 31}
